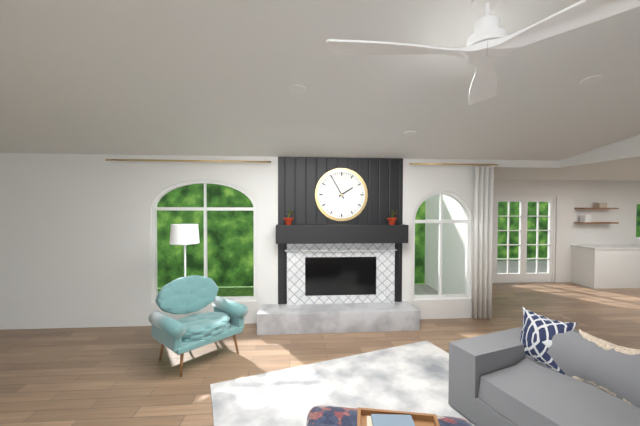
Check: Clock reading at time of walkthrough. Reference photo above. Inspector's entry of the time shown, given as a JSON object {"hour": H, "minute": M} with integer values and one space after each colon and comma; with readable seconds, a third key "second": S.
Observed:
{"hour": 1, "minute": 55}
